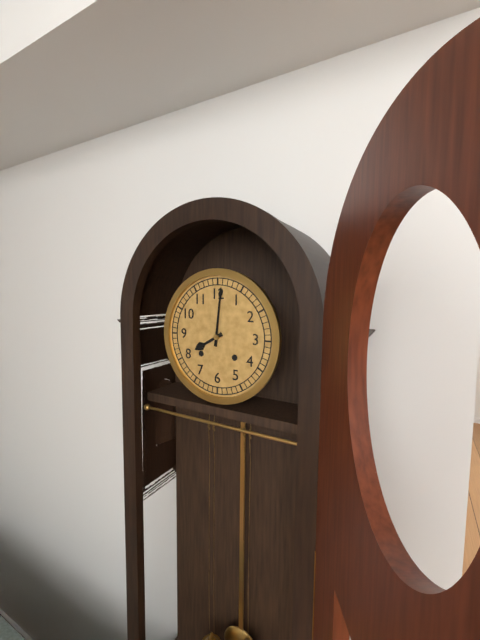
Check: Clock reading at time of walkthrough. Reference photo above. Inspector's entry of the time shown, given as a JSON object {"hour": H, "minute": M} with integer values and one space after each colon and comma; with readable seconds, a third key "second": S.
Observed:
{"hour": 8, "minute": 1}
